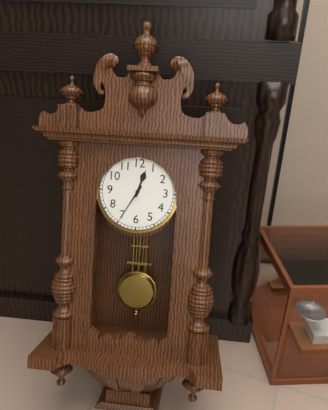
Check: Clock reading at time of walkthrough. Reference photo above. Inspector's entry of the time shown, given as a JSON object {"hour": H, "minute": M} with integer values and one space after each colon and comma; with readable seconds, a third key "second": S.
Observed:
{"hour": 12, "minute": 35}
